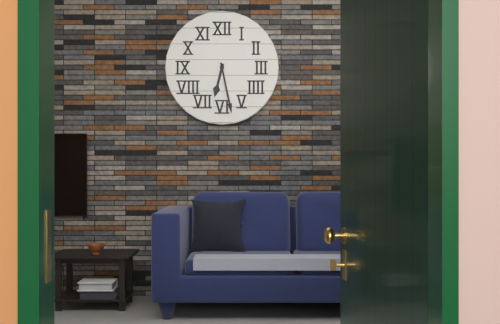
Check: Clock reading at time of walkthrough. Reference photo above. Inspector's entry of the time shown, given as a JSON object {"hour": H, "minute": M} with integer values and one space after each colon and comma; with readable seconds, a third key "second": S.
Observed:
{"hour": 6, "minute": 28}
